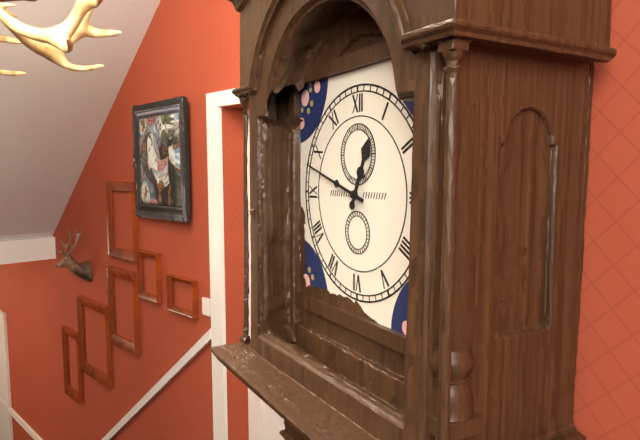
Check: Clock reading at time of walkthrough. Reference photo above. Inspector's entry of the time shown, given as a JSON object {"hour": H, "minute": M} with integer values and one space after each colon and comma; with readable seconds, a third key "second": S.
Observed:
{"hour": 12, "minute": 48}
